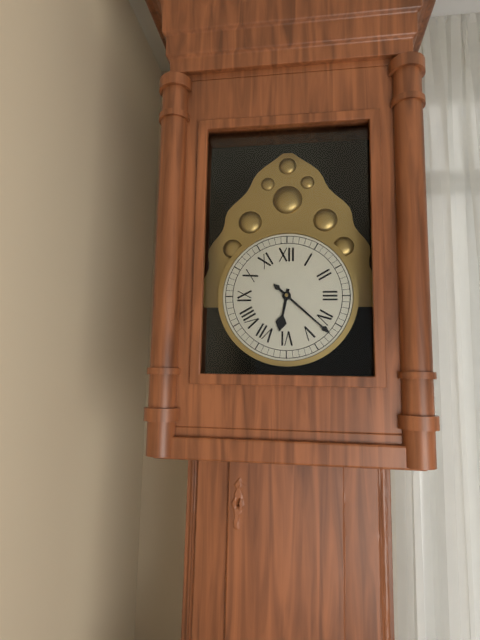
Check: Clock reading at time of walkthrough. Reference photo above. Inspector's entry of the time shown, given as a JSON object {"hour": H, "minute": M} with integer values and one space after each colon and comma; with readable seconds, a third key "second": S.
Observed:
{"hour": 6, "minute": 22}
